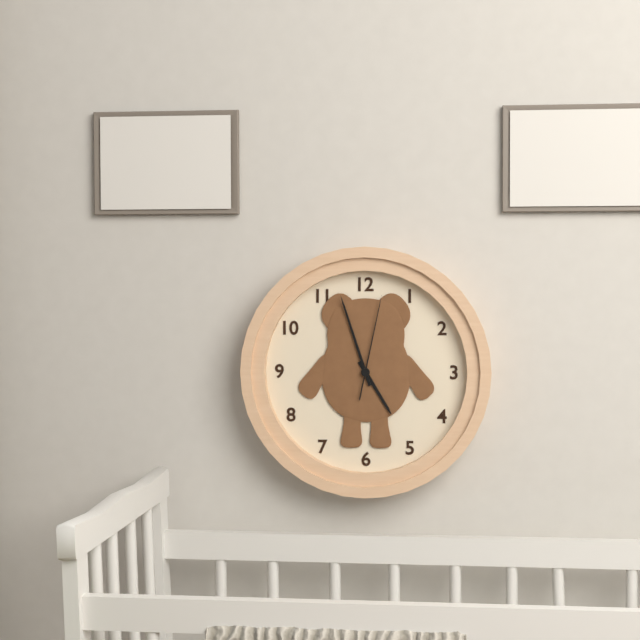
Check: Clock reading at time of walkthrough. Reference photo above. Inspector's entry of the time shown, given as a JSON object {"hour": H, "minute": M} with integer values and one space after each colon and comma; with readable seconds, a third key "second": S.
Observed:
{"hour": 4, "minute": 57, "second": 2}
